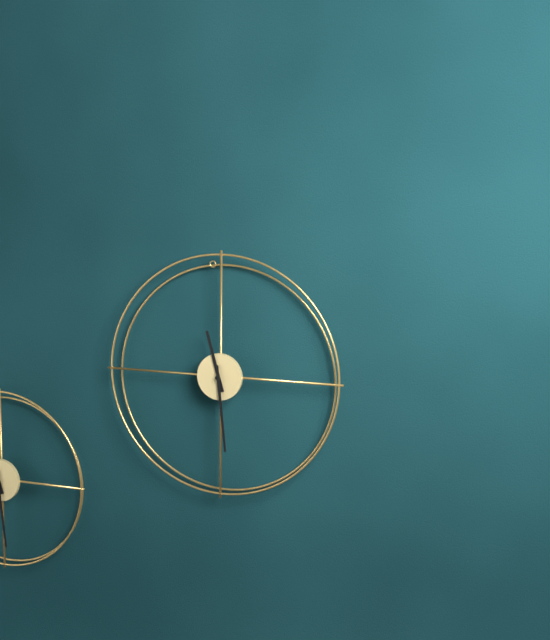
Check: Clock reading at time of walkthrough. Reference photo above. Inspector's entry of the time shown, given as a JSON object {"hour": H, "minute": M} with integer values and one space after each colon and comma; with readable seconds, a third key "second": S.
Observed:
{"hour": 11, "minute": 29}
